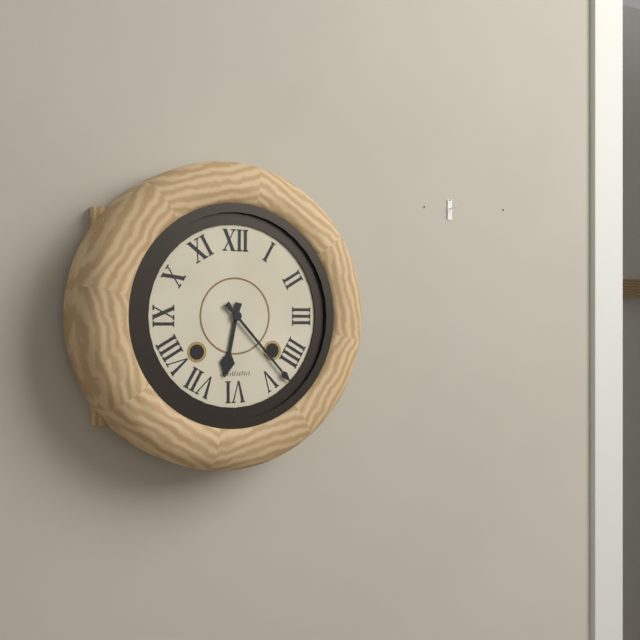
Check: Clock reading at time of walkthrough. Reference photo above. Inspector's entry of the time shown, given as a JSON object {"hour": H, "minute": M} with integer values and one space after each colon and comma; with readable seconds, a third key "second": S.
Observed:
{"hour": 6, "minute": 23}
